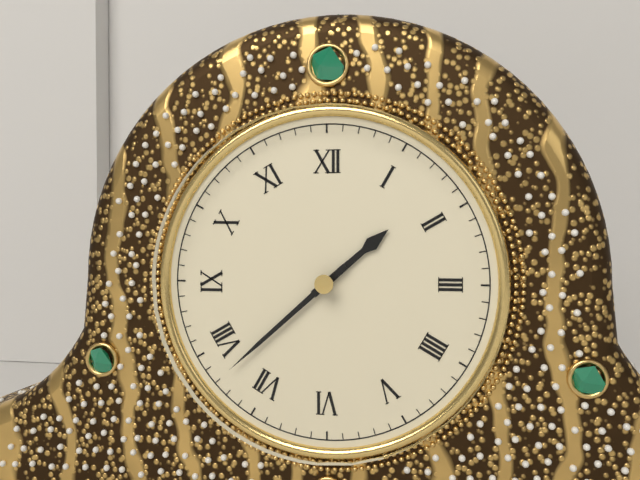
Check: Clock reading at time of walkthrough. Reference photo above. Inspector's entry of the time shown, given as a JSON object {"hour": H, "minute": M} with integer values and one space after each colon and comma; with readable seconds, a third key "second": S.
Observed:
{"hour": 1, "minute": 38}
